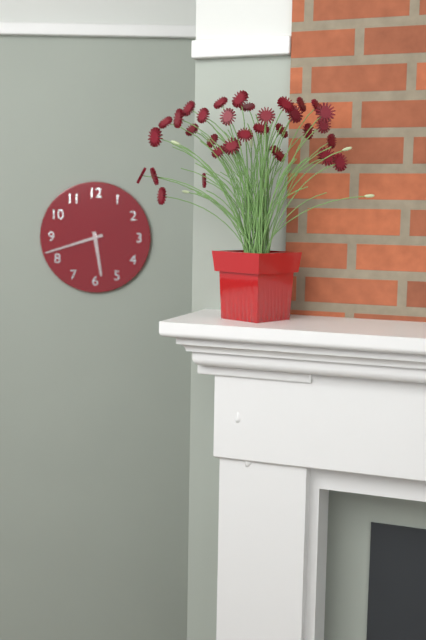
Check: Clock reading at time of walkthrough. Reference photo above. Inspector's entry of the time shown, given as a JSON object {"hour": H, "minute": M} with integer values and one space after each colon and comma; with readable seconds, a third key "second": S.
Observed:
{"hour": 5, "minute": 42}
